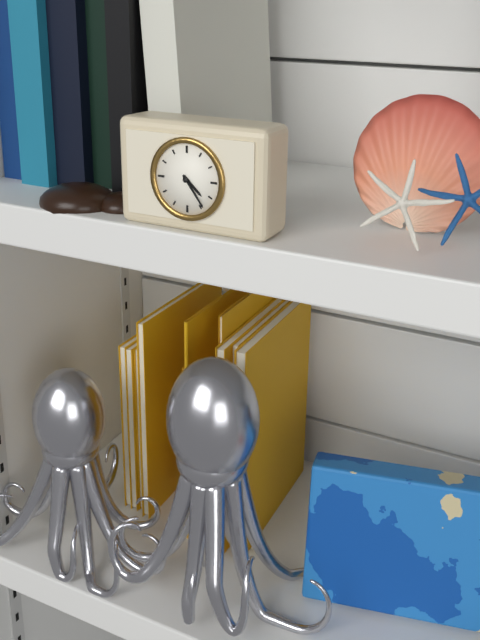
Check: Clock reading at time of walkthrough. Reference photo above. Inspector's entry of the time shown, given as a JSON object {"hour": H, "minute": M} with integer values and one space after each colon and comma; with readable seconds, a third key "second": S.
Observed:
{"hour": 4, "minute": 24}
